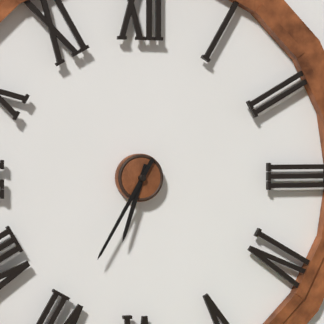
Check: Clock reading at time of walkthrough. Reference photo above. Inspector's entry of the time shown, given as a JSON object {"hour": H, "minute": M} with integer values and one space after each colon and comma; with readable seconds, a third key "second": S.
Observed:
{"hour": 6, "minute": 35}
